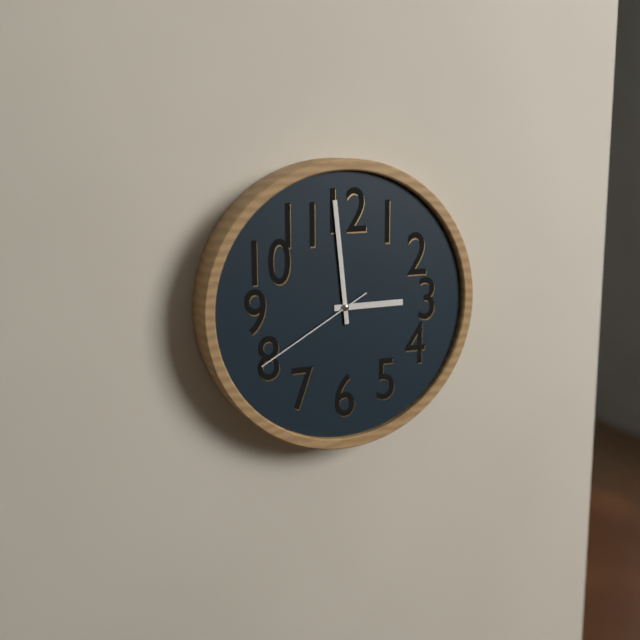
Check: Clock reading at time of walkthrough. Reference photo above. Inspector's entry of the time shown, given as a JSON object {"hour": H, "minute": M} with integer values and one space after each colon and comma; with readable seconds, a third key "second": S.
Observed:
{"hour": 2, "minute": 59, "second": 40}
